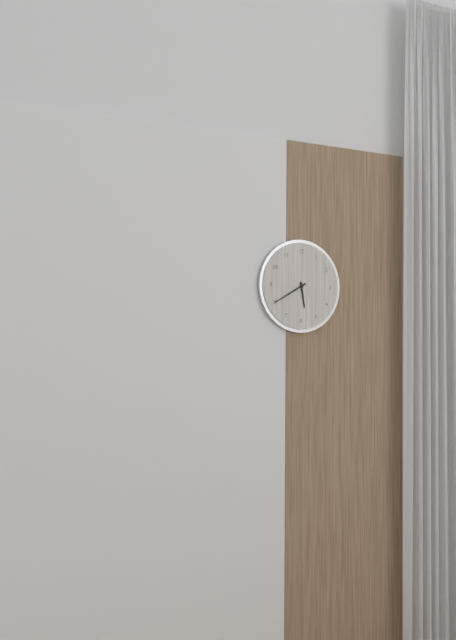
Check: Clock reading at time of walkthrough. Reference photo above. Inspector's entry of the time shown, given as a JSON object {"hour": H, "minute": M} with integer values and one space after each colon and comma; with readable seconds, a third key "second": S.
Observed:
{"hour": 5, "minute": 40}
